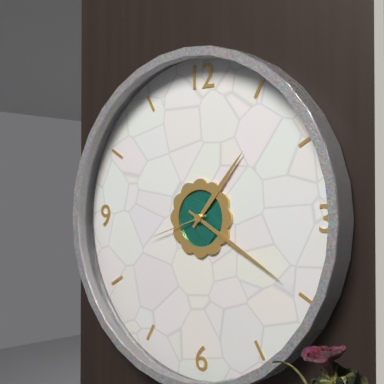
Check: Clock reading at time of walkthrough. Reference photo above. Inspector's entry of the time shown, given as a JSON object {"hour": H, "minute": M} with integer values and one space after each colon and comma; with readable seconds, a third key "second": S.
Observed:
{"hour": 1, "minute": 20, "second": 42}
